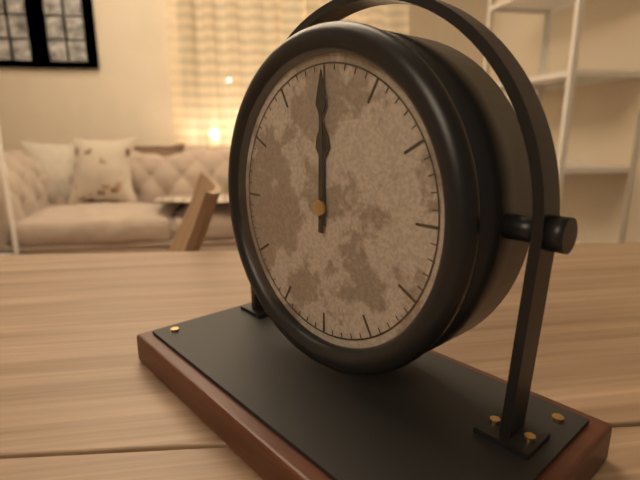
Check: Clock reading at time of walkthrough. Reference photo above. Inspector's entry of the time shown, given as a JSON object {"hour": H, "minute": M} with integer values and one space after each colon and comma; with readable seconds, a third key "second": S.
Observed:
{"hour": 12, "minute": 0}
